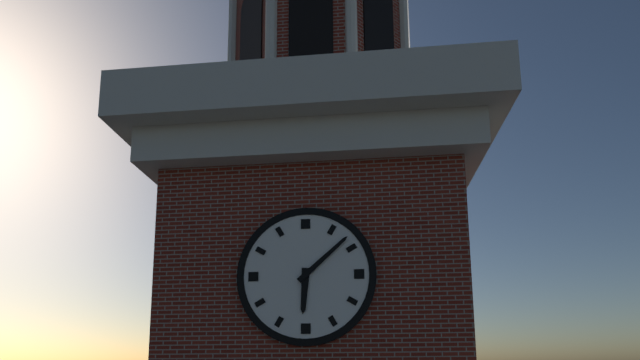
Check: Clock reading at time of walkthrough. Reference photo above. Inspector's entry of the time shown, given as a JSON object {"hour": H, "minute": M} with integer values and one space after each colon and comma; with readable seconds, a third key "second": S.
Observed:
{"hour": 6, "minute": 8}
